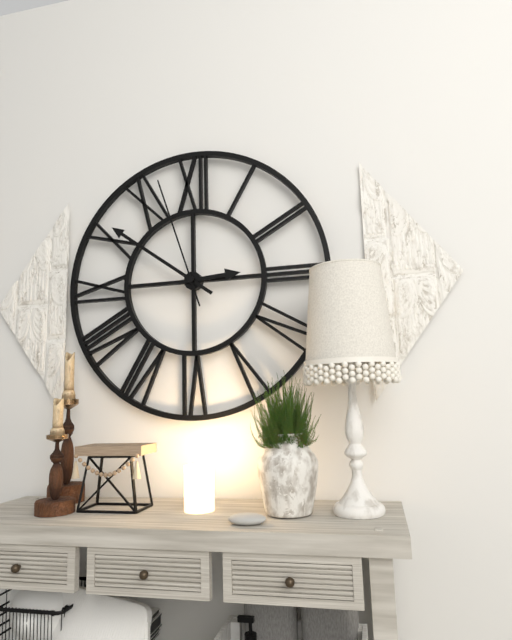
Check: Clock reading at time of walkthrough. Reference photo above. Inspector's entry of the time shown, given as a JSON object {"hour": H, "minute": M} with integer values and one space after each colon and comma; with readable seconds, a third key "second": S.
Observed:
{"hour": 2, "minute": 51, "second": 57}
